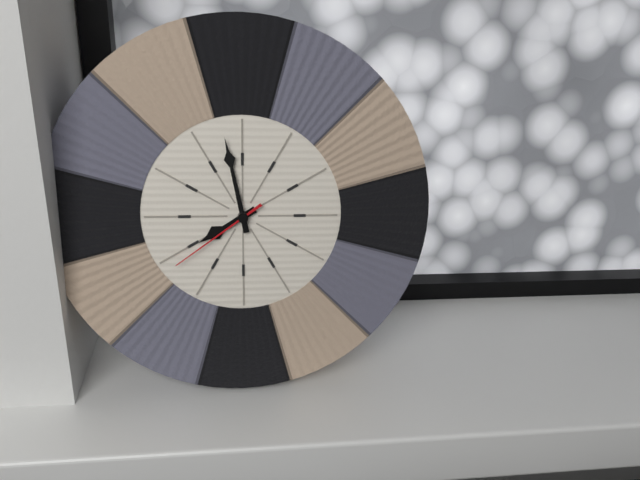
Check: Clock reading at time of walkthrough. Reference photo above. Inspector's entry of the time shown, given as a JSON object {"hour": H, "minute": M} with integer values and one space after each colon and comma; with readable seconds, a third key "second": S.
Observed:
{"hour": 7, "minute": 58, "second": 39}
